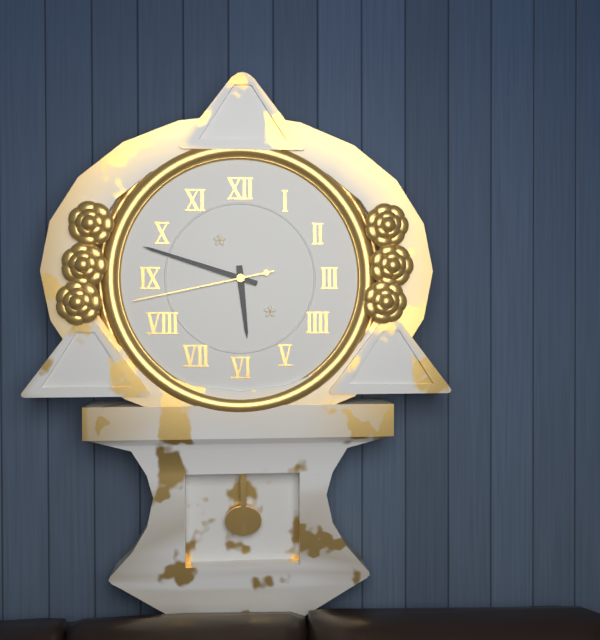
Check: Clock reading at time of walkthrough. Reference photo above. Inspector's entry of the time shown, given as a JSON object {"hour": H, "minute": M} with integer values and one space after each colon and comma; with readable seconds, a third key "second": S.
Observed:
{"hour": 5, "minute": 48, "second": 43}
